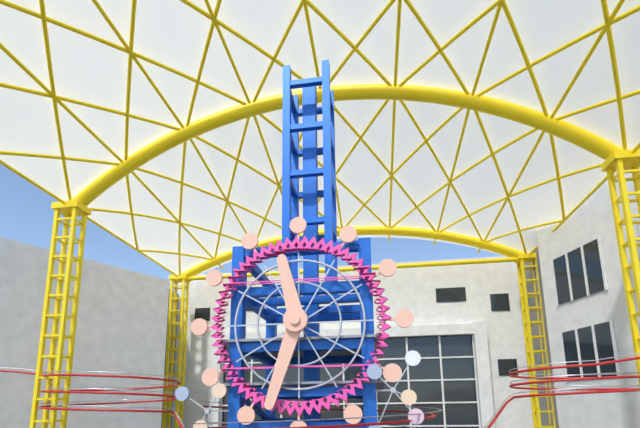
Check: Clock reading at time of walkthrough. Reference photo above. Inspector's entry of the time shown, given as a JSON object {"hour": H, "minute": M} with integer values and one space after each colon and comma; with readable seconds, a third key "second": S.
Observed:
{"hour": 11, "minute": 33}
